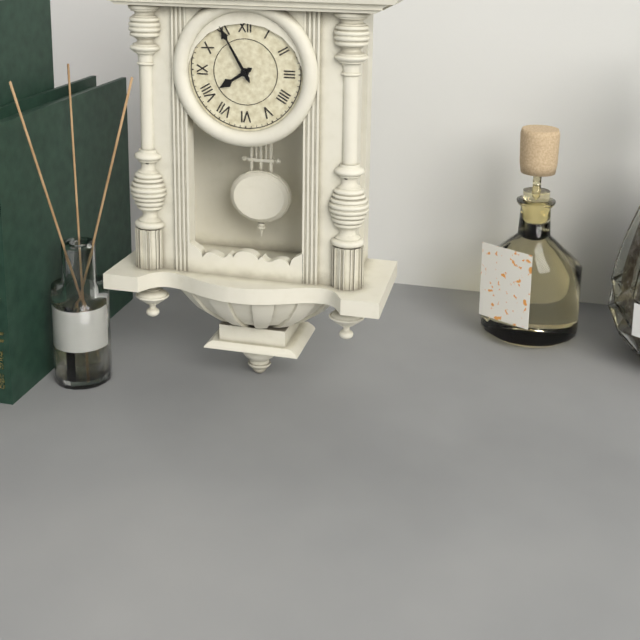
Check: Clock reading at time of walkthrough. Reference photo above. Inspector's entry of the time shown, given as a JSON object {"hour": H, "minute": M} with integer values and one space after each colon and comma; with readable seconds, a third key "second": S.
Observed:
{"hour": 7, "minute": 55}
